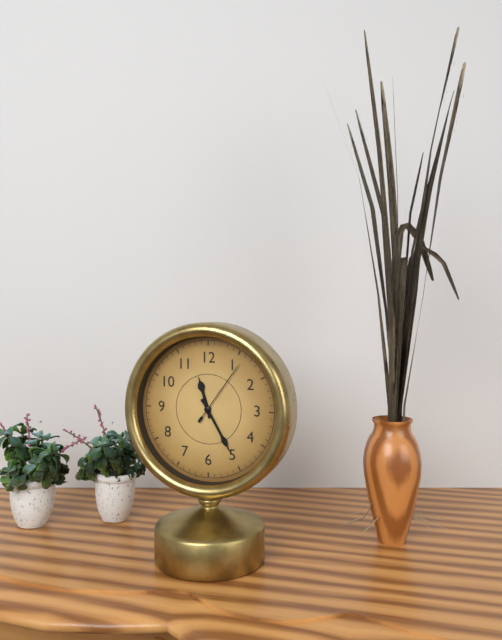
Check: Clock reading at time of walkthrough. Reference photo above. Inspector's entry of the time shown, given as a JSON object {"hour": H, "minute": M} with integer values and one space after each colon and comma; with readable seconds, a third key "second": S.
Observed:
{"hour": 11, "minute": 25, "second": 6}
